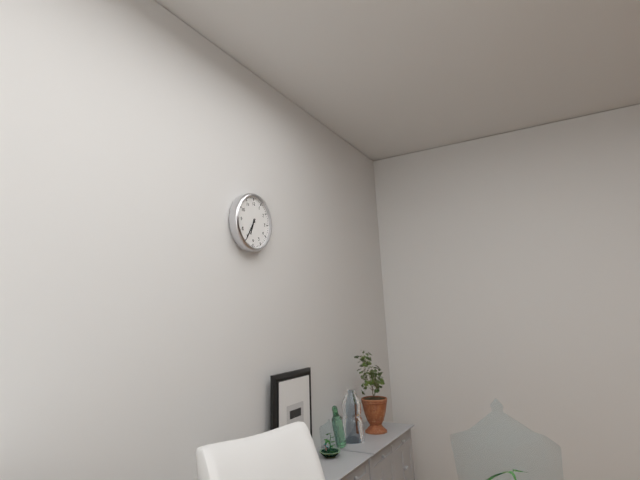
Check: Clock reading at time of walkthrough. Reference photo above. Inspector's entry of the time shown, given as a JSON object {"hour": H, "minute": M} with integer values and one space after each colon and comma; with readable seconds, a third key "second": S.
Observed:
{"hour": 6, "minute": 35}
